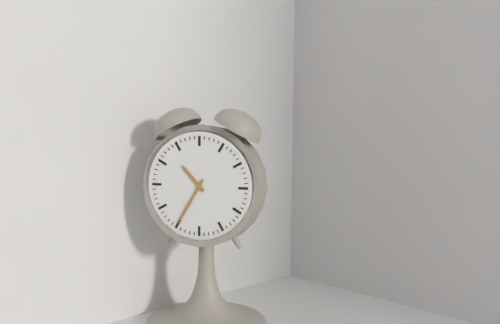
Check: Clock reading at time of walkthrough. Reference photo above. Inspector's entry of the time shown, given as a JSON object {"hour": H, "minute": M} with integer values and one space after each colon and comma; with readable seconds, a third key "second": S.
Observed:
{"hour": 10, "minute": 35}
